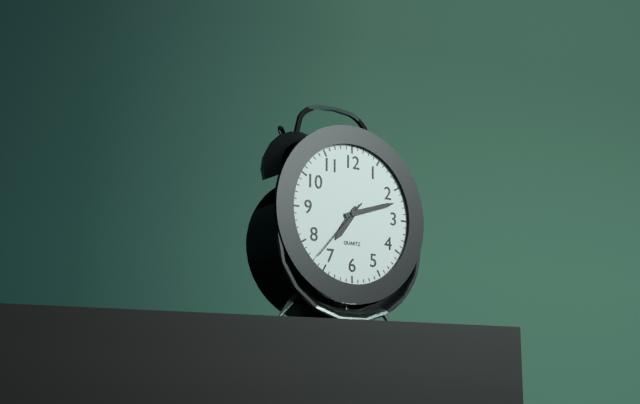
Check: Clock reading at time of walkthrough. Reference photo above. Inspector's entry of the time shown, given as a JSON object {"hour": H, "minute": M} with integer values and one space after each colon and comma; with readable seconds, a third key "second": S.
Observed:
{"hour": 7, "minute": 12, "second": 37}
